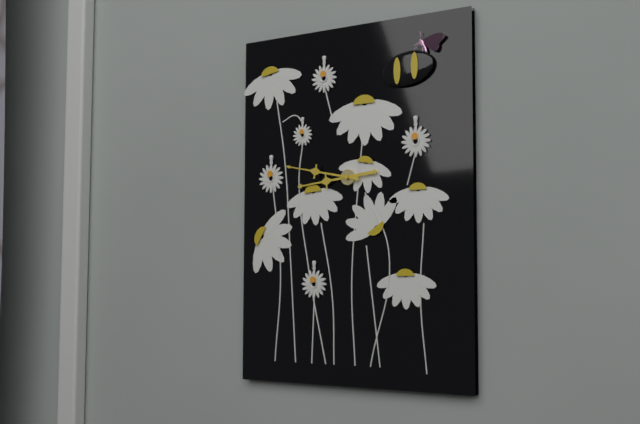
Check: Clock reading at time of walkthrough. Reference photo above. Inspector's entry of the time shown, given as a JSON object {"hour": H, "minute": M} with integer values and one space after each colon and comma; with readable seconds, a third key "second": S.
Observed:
{"hour": 8, "minute": 47}
